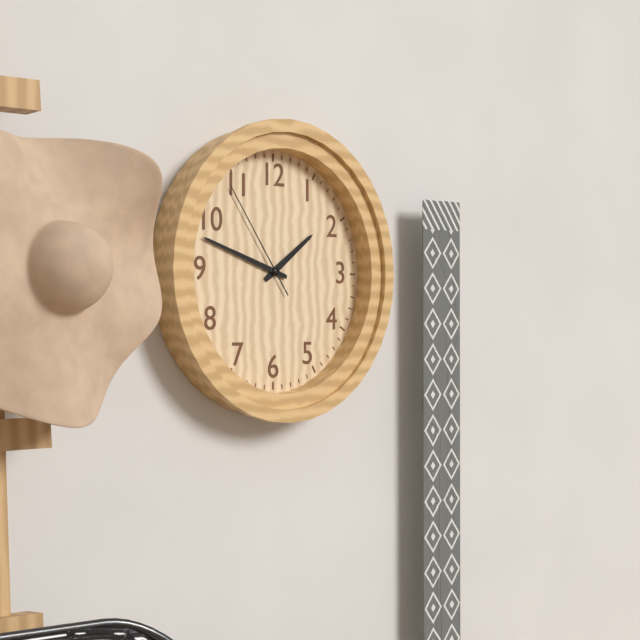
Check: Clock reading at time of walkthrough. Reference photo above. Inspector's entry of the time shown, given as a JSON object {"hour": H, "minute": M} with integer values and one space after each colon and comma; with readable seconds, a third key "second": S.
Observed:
{"hour": 1, "minute": 48, "second": 54}
